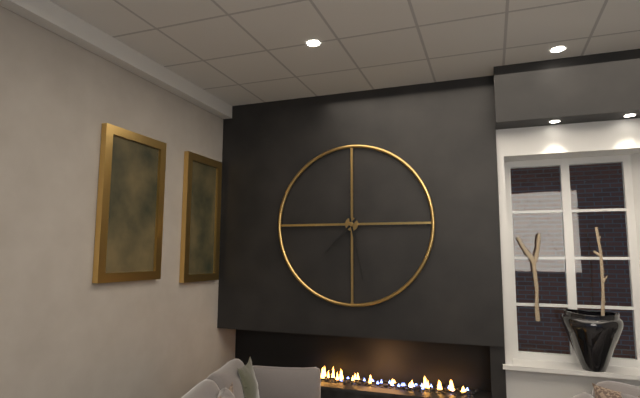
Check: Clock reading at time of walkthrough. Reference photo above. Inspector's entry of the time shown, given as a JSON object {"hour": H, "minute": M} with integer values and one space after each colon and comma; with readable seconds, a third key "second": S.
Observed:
{"hour": 7, "minute": 28}
